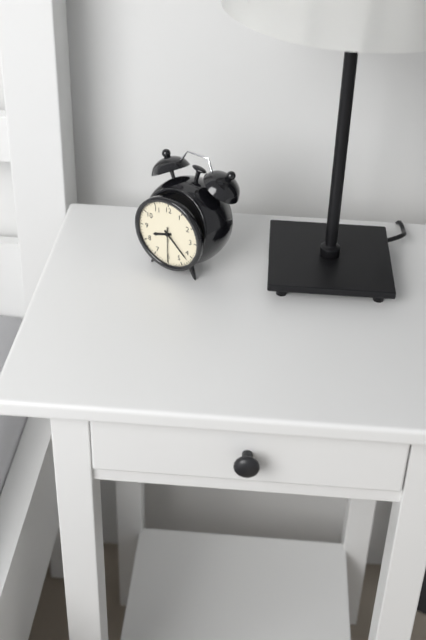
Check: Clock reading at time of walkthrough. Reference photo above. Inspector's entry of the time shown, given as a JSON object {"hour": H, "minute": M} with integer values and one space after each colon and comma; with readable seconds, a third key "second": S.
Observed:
{"hour": 8, "minute": 22}
